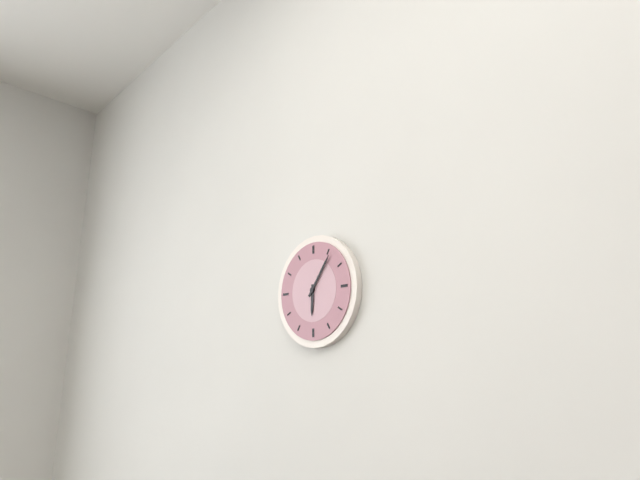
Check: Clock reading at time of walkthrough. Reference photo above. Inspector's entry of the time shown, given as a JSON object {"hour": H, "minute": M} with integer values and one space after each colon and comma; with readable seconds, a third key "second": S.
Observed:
{"hour": 6, "minute": 6}
